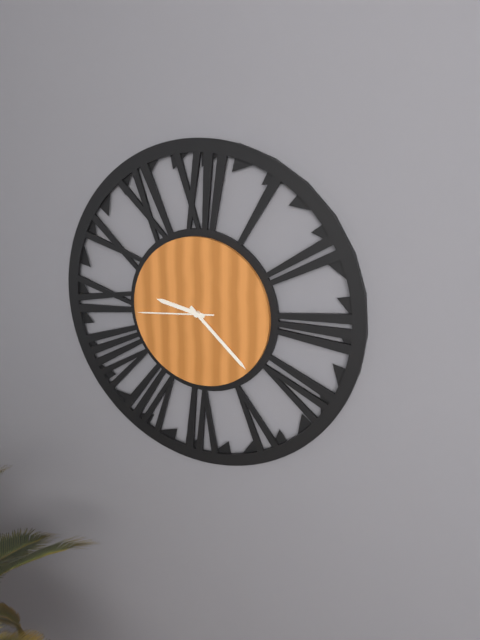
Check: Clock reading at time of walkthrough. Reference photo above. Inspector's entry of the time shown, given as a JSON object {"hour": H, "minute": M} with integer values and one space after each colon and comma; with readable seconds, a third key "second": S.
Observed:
{"hour": 9, "minute": 22, "second": 44}
